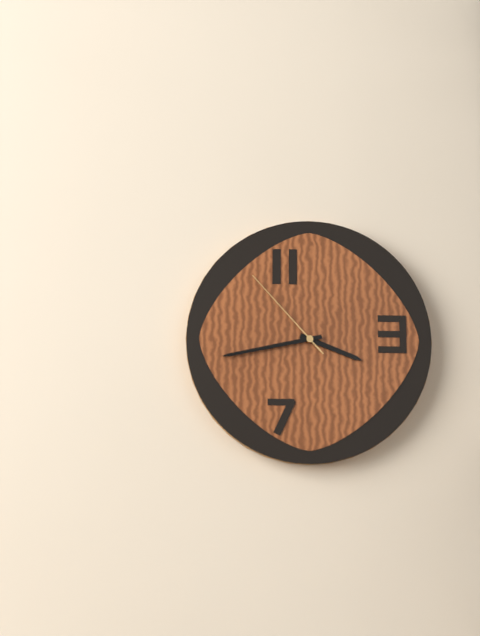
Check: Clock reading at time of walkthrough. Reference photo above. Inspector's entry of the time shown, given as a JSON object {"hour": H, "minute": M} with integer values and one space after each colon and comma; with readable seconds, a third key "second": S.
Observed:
{"hour": 3, "minute": 43, "second": 53}
